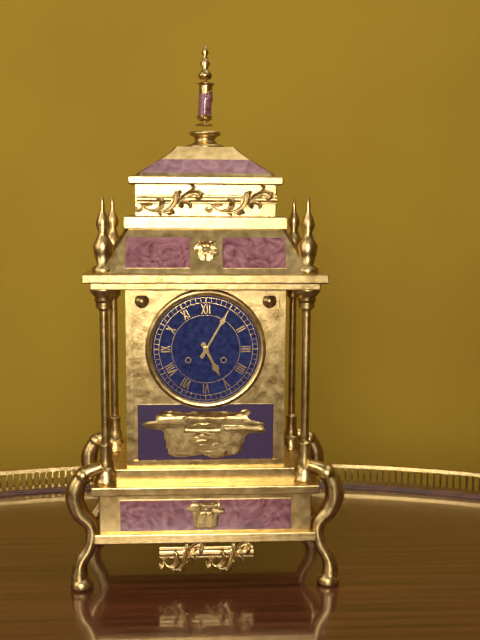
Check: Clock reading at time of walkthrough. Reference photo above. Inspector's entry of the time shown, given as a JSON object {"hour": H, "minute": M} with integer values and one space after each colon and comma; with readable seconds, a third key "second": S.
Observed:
{"hour": 5, "minute": 5}
